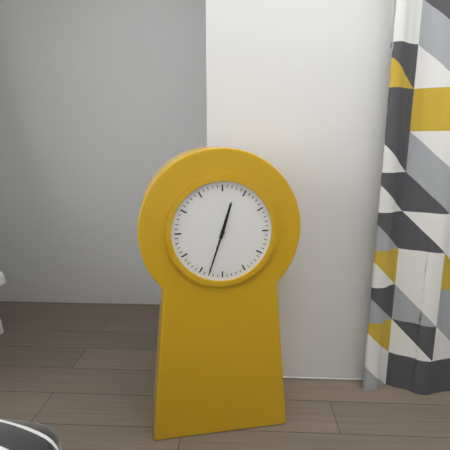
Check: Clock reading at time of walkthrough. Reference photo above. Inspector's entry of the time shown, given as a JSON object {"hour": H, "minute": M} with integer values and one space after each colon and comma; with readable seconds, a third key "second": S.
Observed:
{"hour": 12, "minute": 33}
